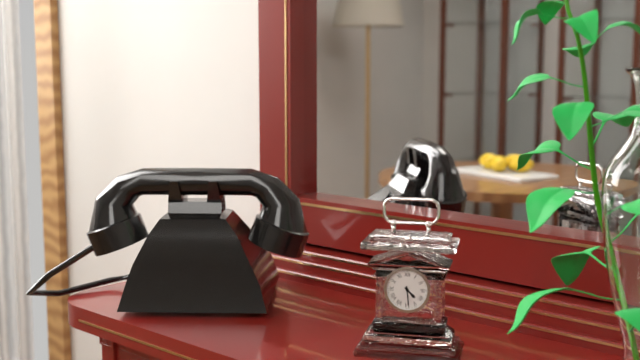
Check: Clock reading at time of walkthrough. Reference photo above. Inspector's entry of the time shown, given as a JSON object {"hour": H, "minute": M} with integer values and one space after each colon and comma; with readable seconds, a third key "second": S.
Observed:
{"hour": 4, "minute": 29}
